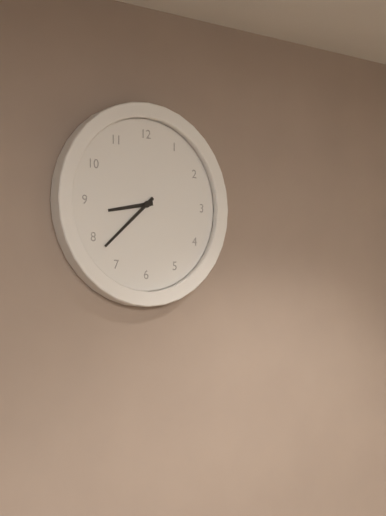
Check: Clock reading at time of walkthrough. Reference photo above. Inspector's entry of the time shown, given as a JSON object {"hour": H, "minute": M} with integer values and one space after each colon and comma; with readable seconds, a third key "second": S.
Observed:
{"hour": 8, "minute": 38}
